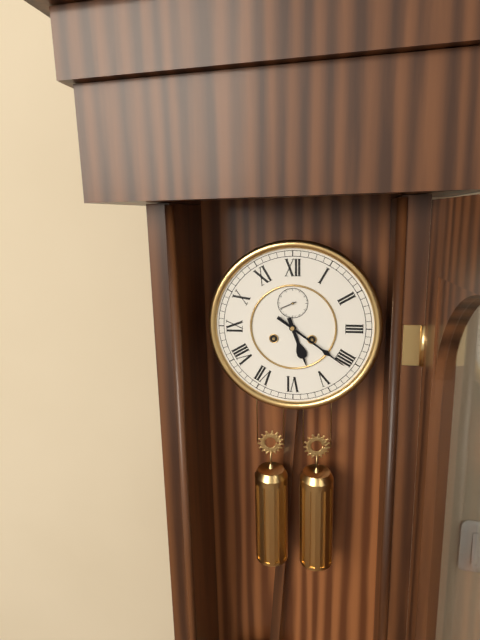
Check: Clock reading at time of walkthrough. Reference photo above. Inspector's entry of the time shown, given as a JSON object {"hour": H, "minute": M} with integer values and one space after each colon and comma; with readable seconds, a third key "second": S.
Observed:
{"hour": 5, "minute": 21}
